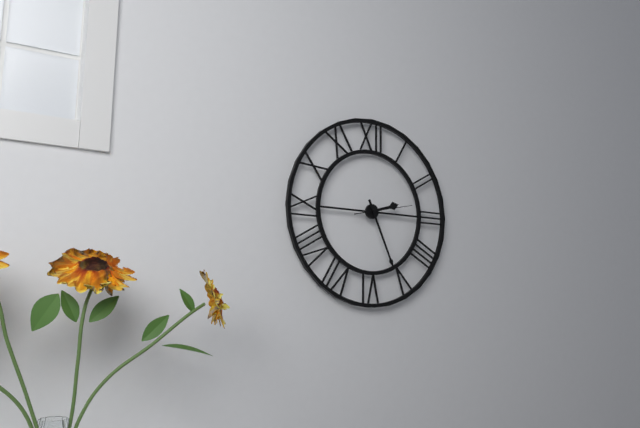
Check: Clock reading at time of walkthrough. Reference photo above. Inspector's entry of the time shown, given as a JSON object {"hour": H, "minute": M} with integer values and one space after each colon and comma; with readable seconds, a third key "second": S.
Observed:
{"hour": 2, "minute": 26, "second": 13}
